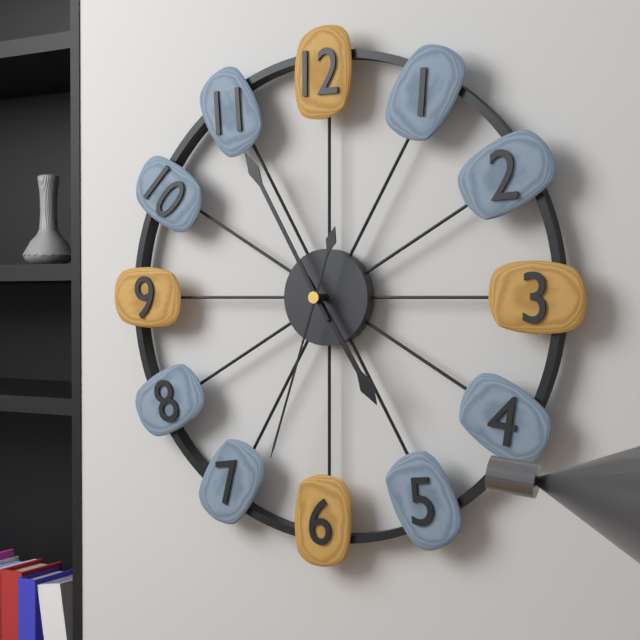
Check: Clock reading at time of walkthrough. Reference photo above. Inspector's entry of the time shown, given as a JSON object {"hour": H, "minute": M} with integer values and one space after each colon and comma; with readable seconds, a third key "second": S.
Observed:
{"hour": 4, "minute": 55, "second": 33}
